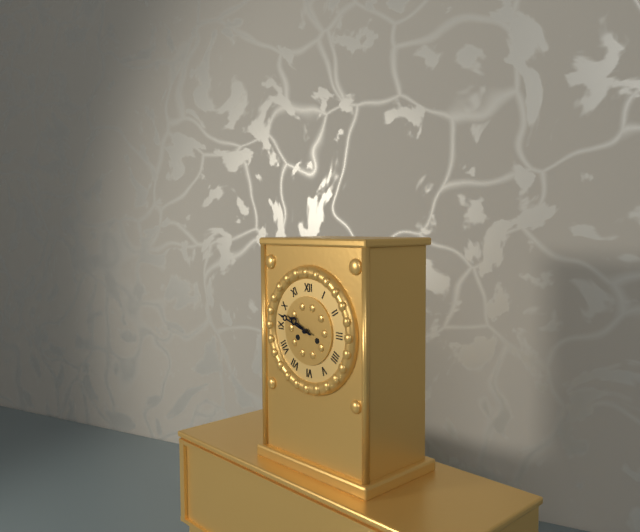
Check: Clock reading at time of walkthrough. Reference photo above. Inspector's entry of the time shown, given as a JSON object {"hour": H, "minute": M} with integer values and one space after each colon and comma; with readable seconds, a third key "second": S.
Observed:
{"hour": 9, "minute": 48}
